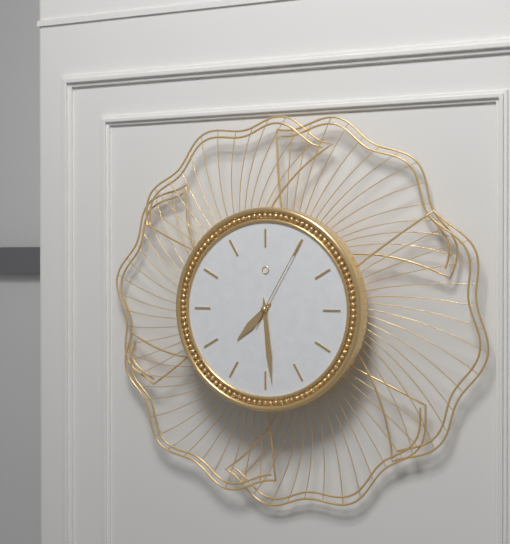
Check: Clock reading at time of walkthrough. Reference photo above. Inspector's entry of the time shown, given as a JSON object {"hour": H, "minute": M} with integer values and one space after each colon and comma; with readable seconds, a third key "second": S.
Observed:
{"hour": 7, "minute": 29, "second": 5}
